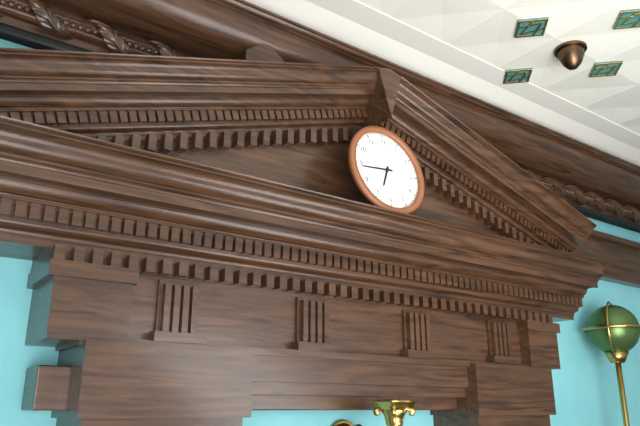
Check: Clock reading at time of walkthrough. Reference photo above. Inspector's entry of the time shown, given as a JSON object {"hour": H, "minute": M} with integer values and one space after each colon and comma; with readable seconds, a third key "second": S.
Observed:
{"hour": 6, "minute": 44}
